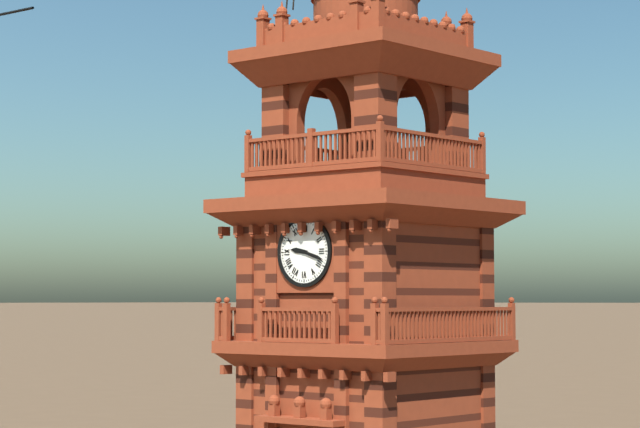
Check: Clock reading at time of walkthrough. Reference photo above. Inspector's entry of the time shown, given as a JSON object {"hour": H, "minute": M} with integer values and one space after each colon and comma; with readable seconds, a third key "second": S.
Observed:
{"hour": 9, "minute": 18}
